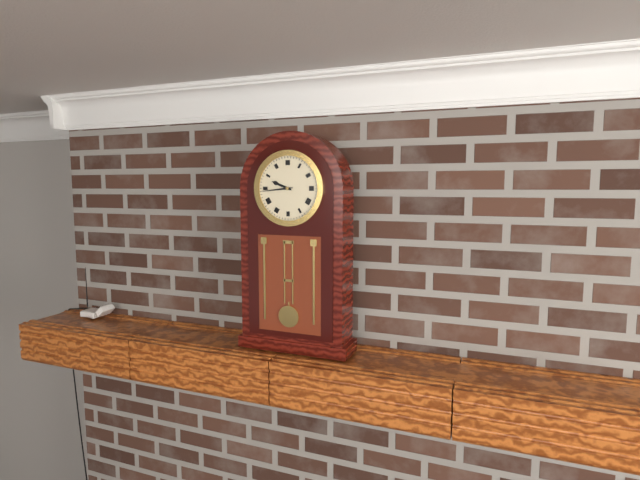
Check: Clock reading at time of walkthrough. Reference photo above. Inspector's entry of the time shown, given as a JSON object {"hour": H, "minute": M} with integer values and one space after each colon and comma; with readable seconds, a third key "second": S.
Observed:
{"hour": 9, "minute": 44}
